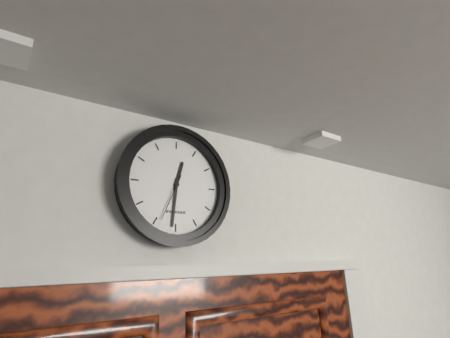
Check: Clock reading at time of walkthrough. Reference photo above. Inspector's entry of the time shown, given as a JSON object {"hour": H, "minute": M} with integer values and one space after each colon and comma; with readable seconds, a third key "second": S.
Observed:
{"hour": 12, "minute": 31}
